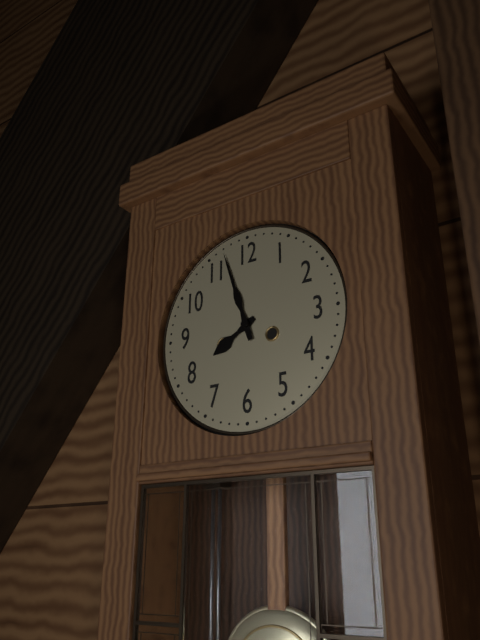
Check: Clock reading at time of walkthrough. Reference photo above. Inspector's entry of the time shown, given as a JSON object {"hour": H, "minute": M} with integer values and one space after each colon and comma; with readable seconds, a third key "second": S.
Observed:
{"hour": 7, "minute": 57}
